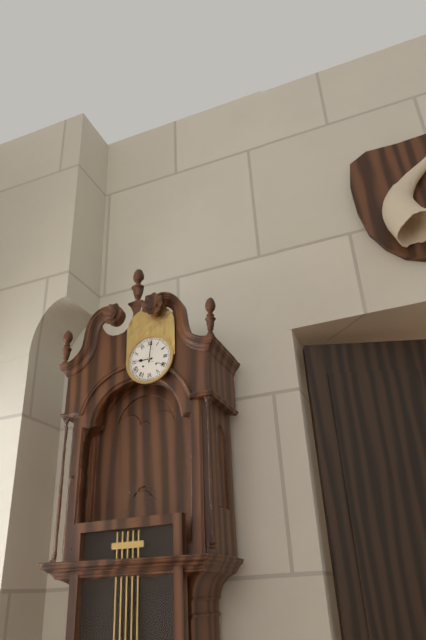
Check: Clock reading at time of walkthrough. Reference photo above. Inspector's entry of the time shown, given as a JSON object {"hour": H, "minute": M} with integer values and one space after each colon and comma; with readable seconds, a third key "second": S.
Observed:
{"hour": 9, "minute": 1}
